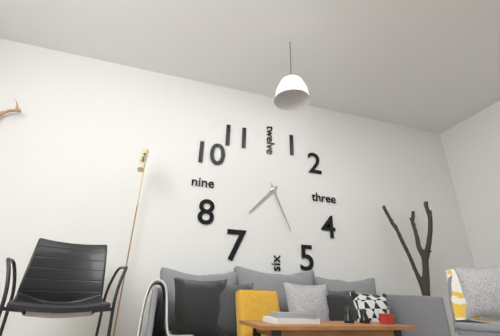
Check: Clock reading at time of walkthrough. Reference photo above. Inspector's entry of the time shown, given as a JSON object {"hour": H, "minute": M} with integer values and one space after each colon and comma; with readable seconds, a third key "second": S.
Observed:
{"hour": 7, "minute": 26}
